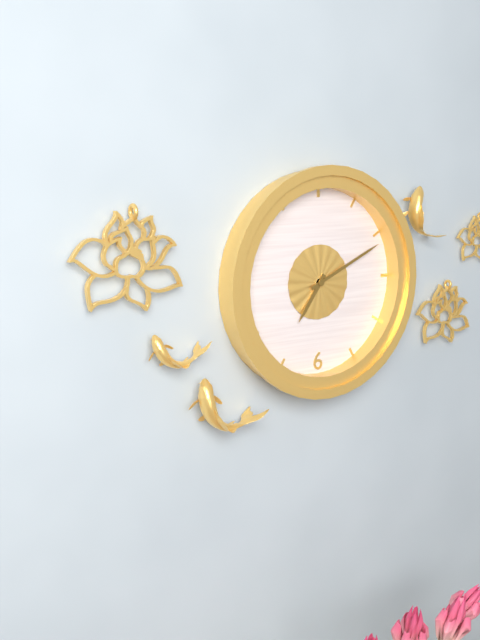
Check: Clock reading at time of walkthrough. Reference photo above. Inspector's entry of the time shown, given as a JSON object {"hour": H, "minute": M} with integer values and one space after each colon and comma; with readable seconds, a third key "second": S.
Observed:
{"hour": 7, "minute": 11}
